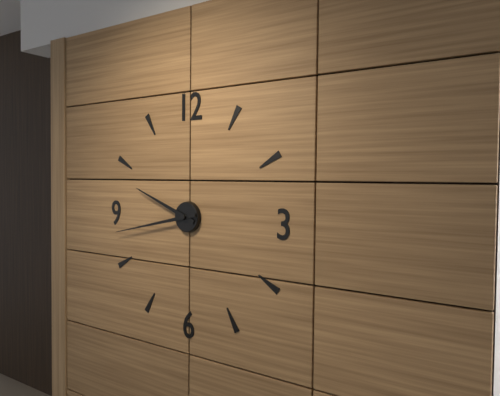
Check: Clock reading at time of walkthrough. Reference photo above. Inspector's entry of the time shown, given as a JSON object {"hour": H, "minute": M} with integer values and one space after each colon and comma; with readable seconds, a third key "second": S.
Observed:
{"hour": 9, "minute": 43}
